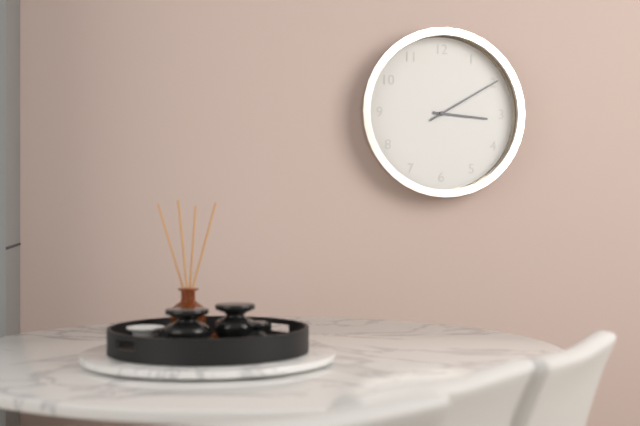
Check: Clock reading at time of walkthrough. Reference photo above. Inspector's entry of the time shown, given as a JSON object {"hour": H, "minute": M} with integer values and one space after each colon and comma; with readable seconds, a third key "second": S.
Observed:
{"hour": 3, "minute": 10}
